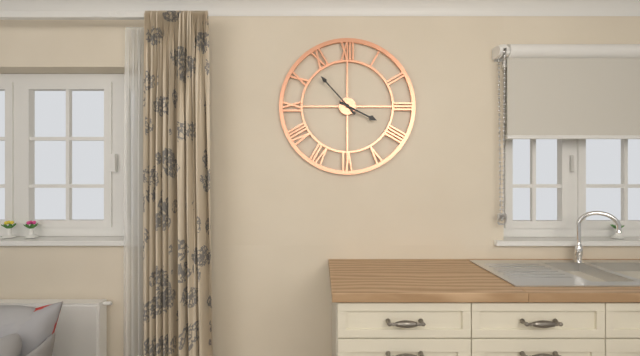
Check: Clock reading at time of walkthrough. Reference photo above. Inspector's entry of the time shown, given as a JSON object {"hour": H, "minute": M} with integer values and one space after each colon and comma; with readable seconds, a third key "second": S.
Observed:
{"hour": 3, "minute": 53}
